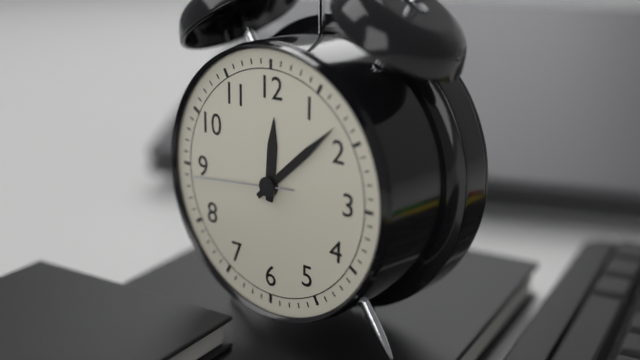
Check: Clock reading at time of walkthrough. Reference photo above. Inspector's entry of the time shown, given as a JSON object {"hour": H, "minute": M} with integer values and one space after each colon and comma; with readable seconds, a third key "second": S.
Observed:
{"hour": 12, "minute": 8, "second": 44}
